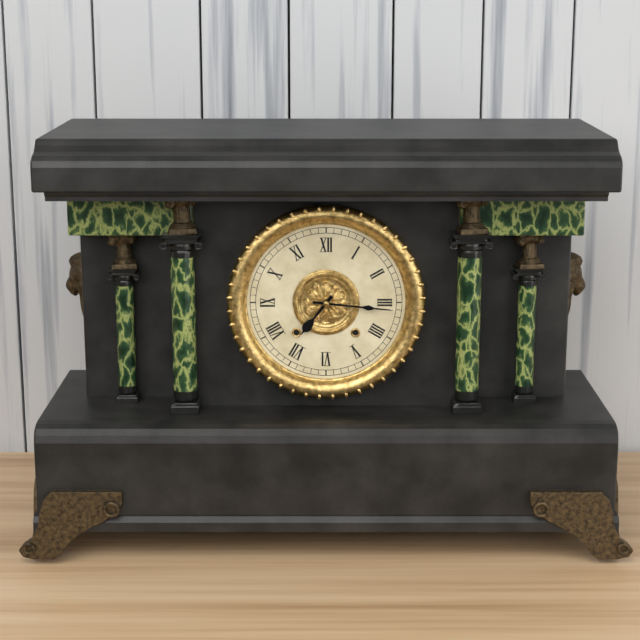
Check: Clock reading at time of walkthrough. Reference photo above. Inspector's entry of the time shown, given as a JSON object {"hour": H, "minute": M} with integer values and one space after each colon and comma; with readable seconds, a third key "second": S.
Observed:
{"hour": 7, "minute": 16}
